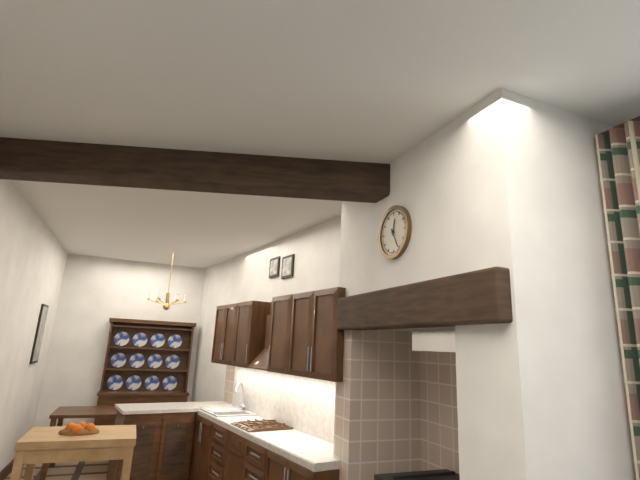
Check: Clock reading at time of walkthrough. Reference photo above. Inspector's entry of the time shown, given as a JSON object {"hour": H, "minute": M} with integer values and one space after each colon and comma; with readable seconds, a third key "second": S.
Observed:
{"hour": 12, "minute": 25}
